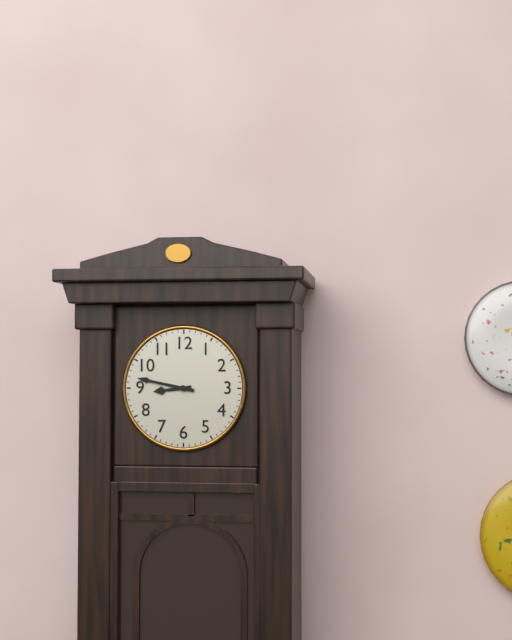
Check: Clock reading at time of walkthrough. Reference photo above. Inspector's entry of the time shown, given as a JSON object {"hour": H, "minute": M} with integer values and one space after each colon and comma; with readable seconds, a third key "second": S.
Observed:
{"hour": 8, "minute": 47}
